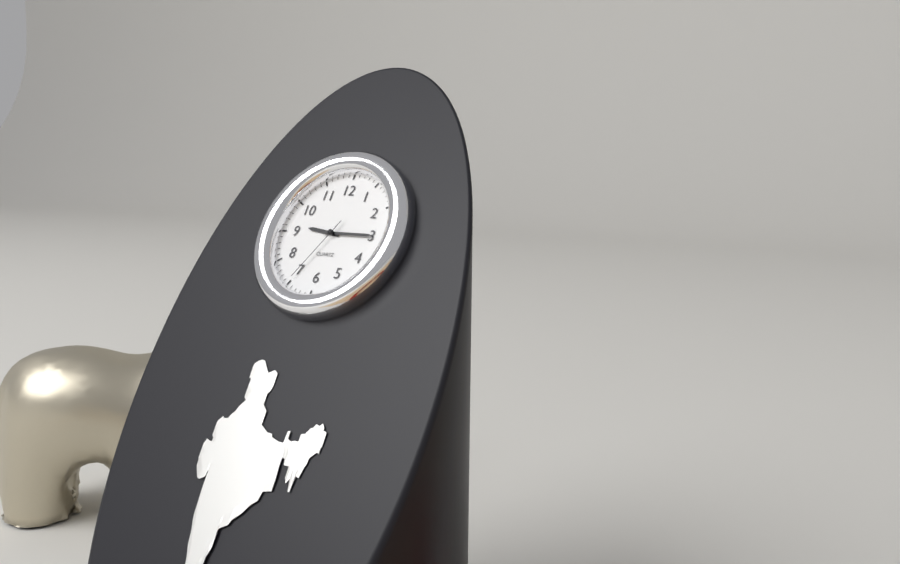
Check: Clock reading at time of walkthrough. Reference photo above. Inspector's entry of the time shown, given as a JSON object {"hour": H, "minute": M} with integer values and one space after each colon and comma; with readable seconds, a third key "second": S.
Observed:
{"hour": 9, "minute": 15, "second": 35}
